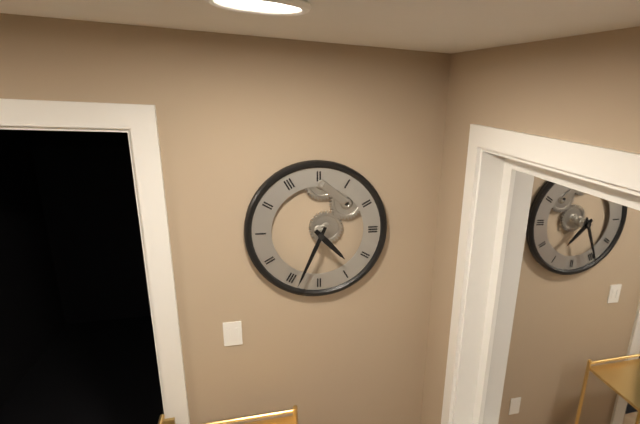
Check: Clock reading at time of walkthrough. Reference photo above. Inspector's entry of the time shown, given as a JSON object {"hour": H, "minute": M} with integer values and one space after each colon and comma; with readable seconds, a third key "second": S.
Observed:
{"hour": 4, "minute": 34}
